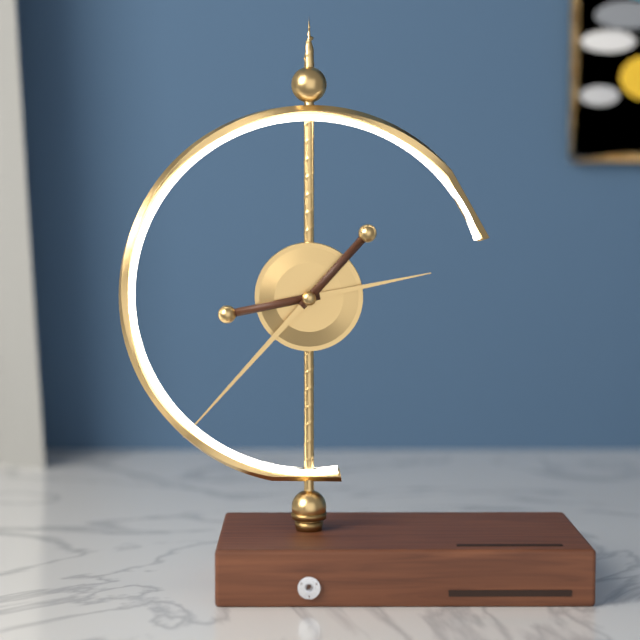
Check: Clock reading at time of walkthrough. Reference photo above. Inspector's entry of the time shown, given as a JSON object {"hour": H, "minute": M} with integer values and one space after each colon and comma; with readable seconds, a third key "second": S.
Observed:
{"hour": 2, "minute": 37}
